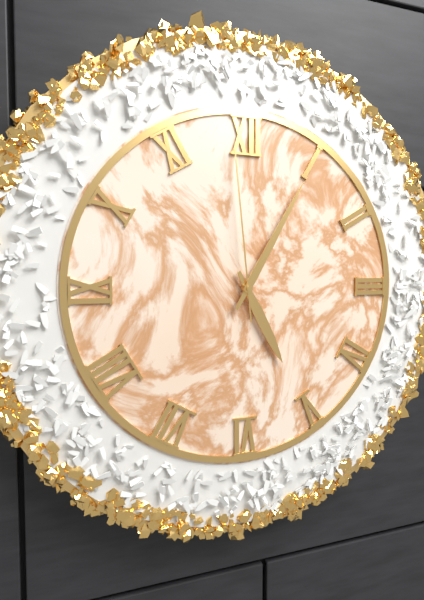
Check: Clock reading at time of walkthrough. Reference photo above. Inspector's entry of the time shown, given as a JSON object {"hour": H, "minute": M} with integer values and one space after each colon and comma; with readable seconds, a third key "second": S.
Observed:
{"hour": 5, "minute": 5, "second": 59}
